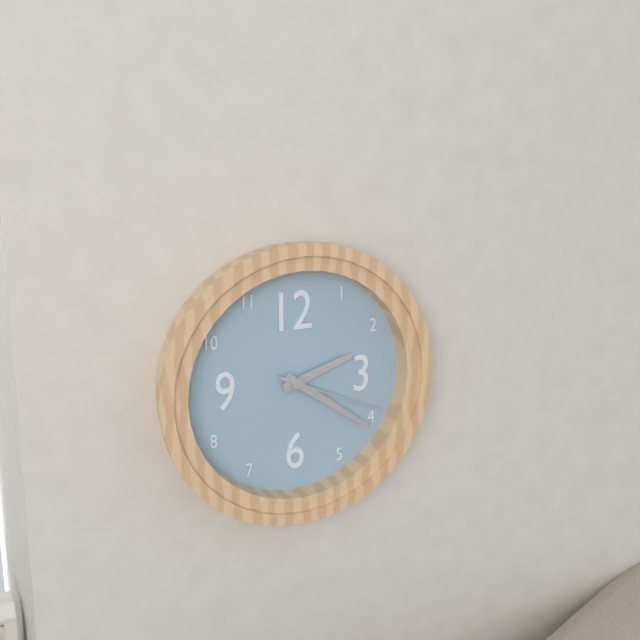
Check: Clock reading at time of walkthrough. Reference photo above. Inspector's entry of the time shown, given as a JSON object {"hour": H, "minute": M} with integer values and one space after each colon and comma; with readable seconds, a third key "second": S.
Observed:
{"hour": 2, "minute": 21, "second": 19}
